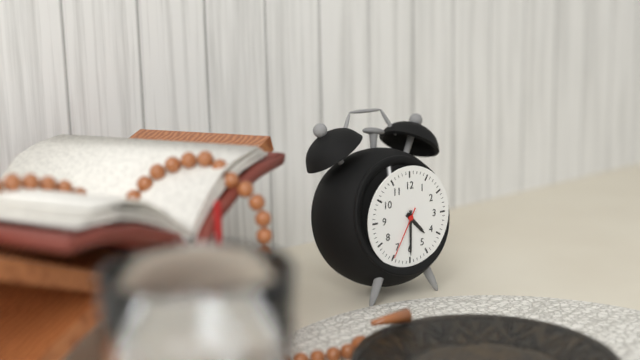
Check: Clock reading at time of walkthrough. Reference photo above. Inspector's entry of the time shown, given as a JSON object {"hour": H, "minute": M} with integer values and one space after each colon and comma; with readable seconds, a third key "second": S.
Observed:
{"hour": 4, "minute": 30, "second": 35}
